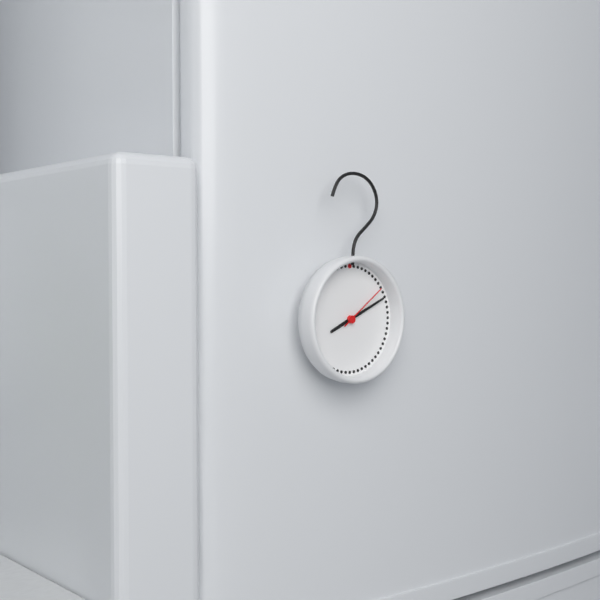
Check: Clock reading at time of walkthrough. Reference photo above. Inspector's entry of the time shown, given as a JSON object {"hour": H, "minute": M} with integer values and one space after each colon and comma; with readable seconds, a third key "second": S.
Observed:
{"hour": 8, "minute": 11, "second": 9}
